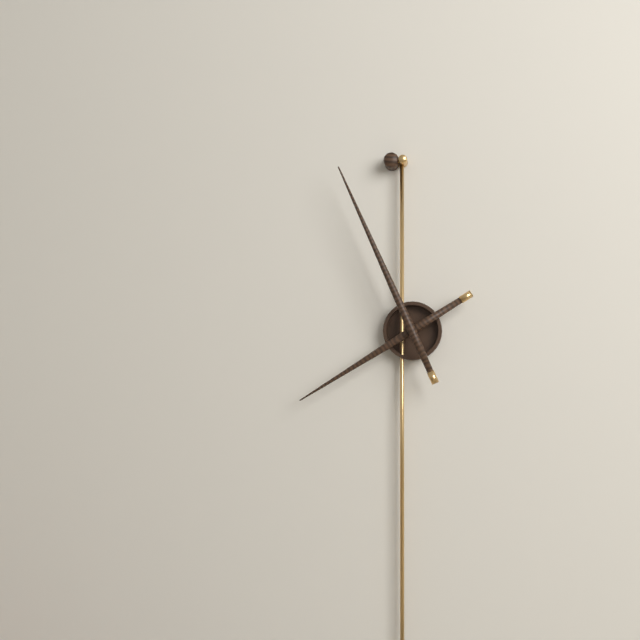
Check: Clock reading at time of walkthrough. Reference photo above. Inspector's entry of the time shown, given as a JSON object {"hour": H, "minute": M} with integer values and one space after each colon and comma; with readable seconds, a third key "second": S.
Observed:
{"hour": 7, "minute": 56}
